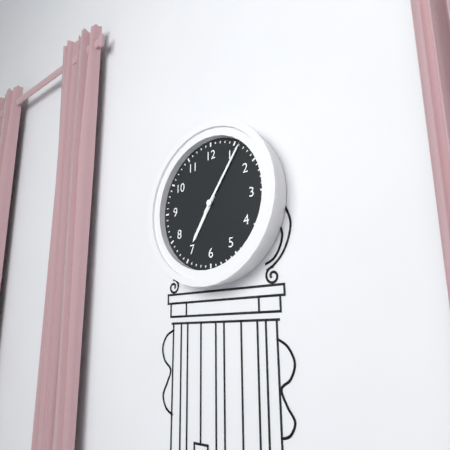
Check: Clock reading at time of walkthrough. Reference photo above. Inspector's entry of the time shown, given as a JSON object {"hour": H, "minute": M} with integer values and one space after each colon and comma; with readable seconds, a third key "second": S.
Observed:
{"hour": 7, "minute": 6}
